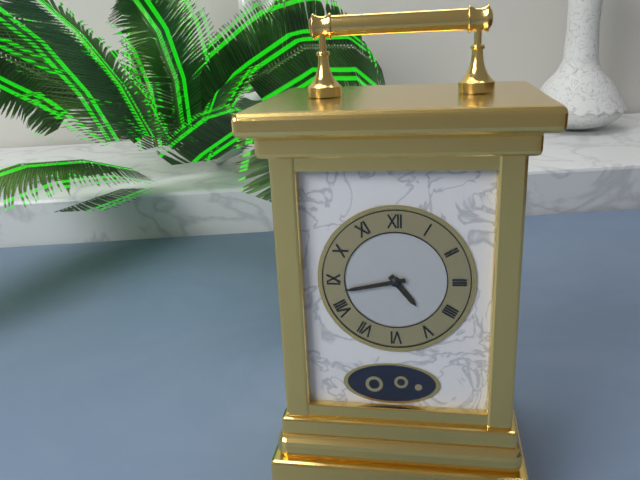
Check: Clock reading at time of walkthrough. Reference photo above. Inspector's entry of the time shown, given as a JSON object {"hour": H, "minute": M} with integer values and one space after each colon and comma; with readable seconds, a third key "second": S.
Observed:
{"hour": 4, "minute": 43}
